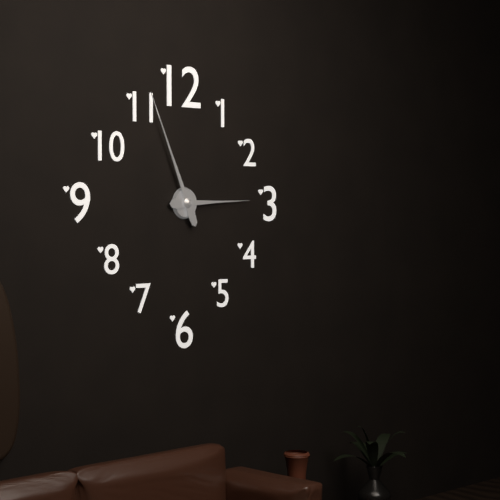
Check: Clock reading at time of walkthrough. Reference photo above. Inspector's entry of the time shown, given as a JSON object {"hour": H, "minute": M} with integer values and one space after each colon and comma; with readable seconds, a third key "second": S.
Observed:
{"hour": 2, "minute": 56}
